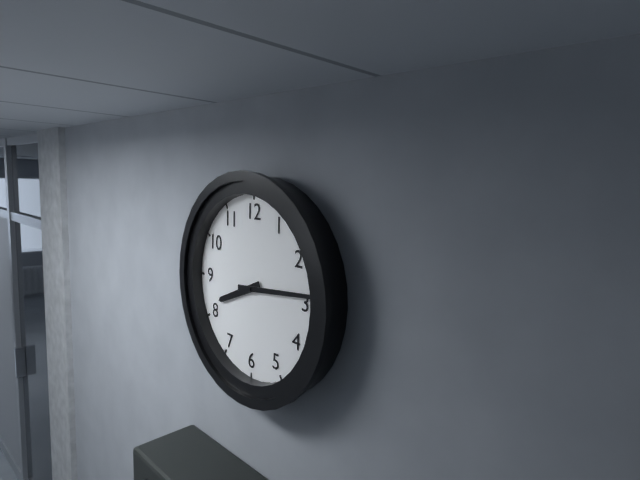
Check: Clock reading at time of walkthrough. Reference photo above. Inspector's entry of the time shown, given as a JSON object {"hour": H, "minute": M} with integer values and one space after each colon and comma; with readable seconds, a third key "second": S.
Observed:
{"hour": 8, "minute": 14}
